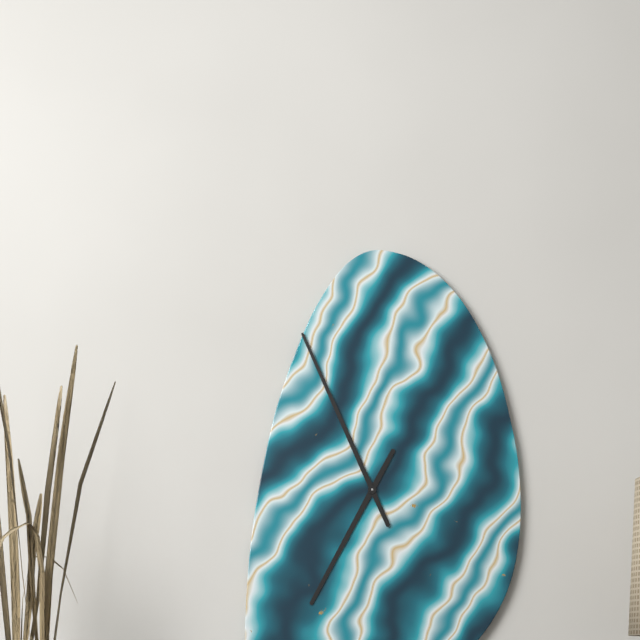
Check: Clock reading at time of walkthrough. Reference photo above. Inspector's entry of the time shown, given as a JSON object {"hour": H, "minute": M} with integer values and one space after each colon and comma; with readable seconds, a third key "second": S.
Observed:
{"hour": 6, "minute": 56}
